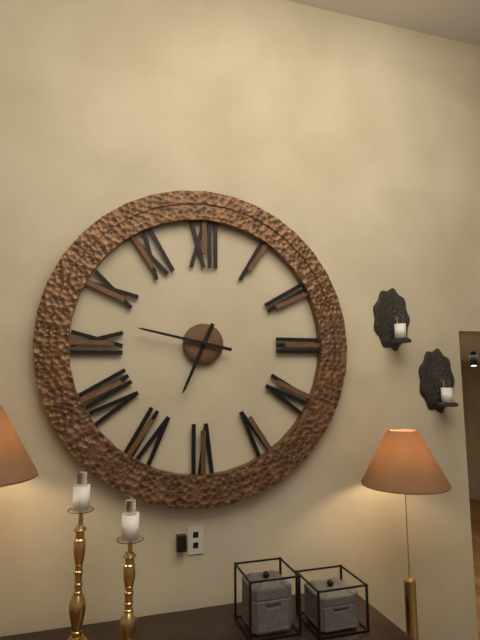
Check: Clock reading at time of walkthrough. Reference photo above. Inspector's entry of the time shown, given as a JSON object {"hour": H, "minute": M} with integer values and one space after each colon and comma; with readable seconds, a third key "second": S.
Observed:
{"hour": 6, "minute": 47}
